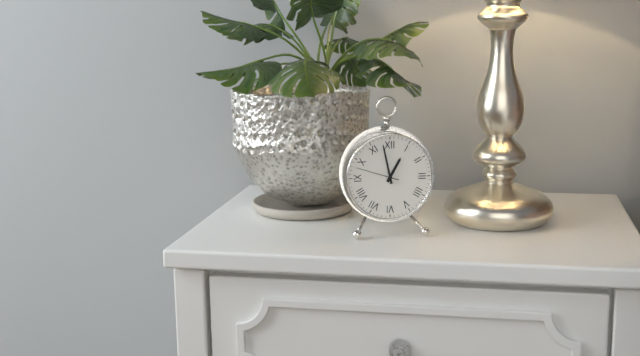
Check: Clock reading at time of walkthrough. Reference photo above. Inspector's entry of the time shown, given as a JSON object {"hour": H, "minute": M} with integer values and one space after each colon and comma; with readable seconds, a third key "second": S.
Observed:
{"hour": 12, "minute": 58}
